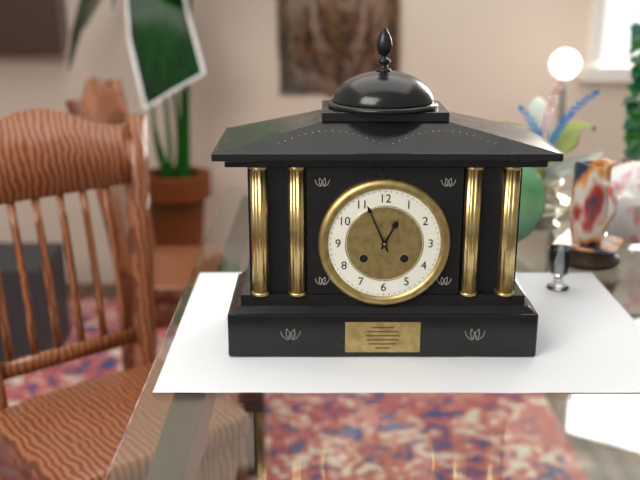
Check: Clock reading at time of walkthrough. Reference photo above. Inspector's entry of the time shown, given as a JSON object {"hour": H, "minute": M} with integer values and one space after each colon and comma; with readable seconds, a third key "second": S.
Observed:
{"hour": 12, "minute": 56}
